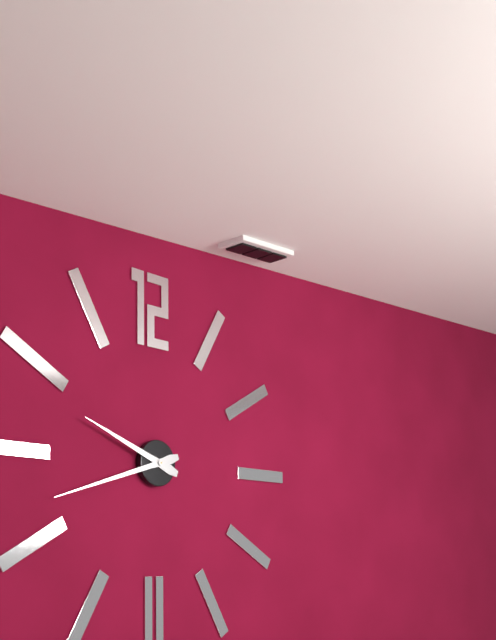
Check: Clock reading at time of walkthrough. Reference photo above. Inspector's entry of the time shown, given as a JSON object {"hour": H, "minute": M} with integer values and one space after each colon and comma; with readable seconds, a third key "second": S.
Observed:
{"hour": 9, "minute": 42}
